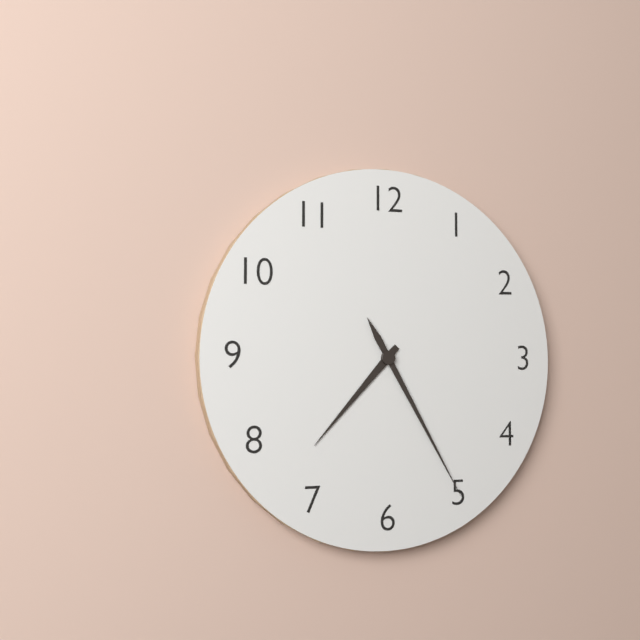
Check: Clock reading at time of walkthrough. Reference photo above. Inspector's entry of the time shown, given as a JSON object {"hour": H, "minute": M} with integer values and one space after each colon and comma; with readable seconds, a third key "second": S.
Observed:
{"hour": 7, "minute": 25}
